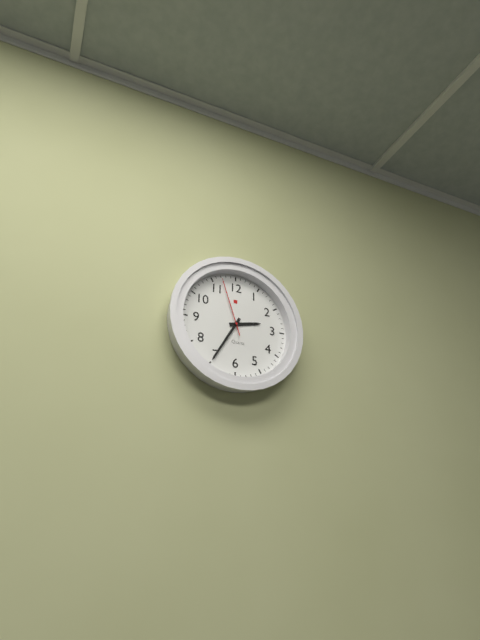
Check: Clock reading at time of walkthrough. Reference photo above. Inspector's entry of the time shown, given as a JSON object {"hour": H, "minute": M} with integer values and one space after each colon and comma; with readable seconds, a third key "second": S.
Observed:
{"hour": 2, "minute": 35, "second": 57}
